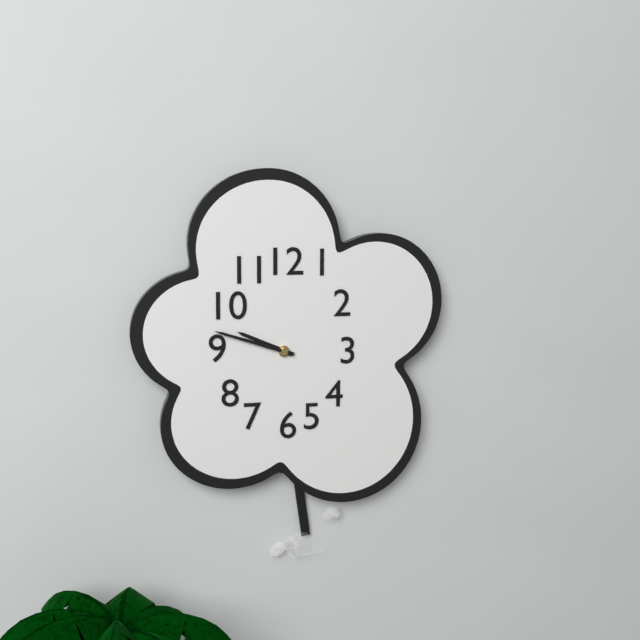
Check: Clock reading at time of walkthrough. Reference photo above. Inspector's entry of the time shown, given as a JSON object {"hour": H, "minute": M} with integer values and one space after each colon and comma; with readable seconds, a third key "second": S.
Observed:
{"hour": 9, "minute": 48}
